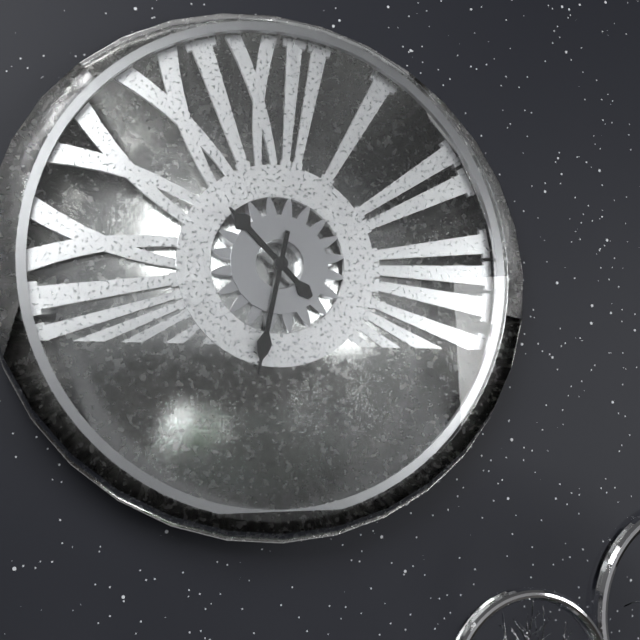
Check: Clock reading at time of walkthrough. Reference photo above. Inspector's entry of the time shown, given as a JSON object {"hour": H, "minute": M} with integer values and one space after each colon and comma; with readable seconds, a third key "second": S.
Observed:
{"hour": 10, "minute": 32}
